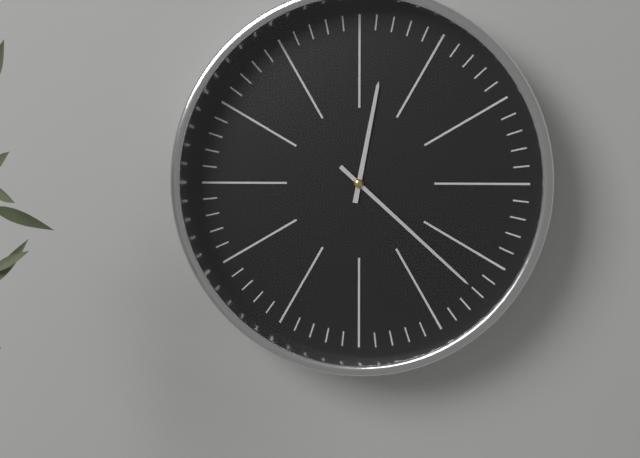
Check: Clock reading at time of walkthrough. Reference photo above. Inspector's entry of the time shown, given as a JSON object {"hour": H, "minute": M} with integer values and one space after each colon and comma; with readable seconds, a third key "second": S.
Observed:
{"hour": 12, "minute": 22}
